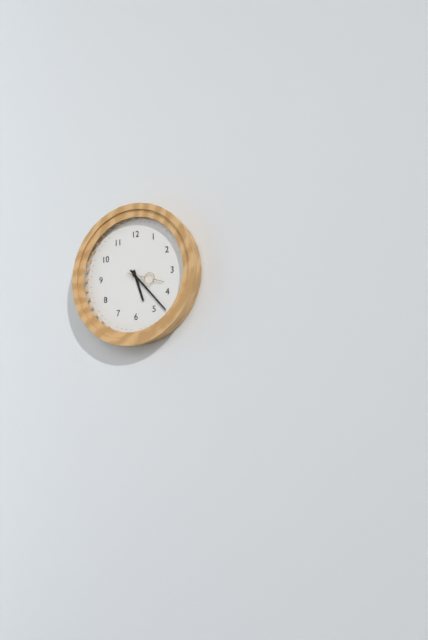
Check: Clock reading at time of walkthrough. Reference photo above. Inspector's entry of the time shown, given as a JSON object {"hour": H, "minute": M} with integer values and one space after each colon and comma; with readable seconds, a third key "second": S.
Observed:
{"hour": 5, "minute": 23}
